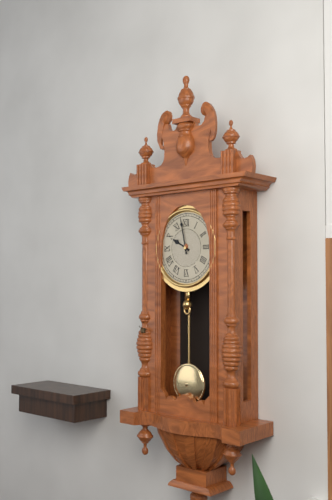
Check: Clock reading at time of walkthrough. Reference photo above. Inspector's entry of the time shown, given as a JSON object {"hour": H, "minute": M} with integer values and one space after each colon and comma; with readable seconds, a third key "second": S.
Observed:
{"hour": 9, "minute": 58}
